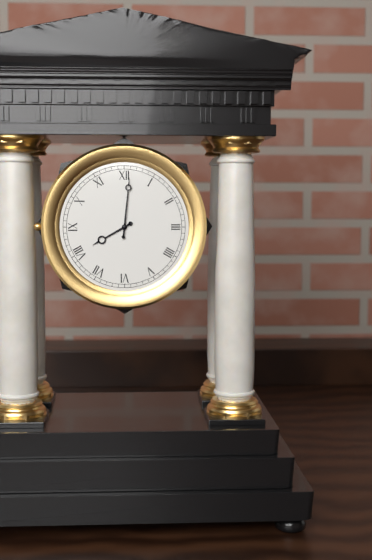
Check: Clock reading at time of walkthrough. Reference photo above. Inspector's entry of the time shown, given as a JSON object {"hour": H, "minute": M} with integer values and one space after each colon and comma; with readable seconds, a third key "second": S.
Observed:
{"hour": 8, "minute": 1}
